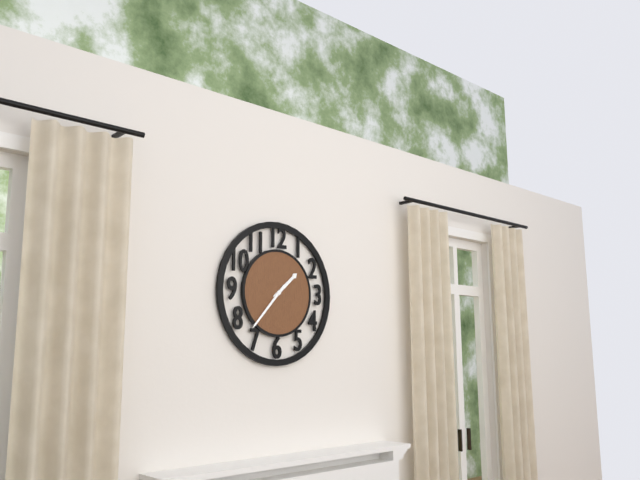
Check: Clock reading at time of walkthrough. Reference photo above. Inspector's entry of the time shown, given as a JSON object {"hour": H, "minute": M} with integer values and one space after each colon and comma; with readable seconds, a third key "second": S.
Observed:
{"hour": 1, "minute": 37}
